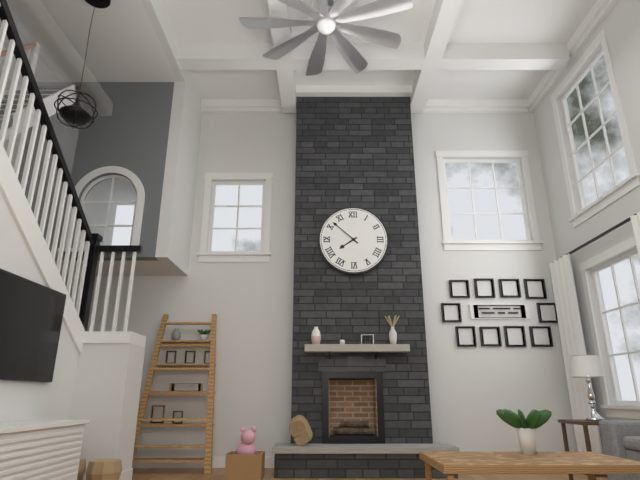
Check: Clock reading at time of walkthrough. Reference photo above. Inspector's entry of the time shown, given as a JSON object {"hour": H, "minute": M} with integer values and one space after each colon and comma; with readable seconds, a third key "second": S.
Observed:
{"hour": 7, "minute": 52}
